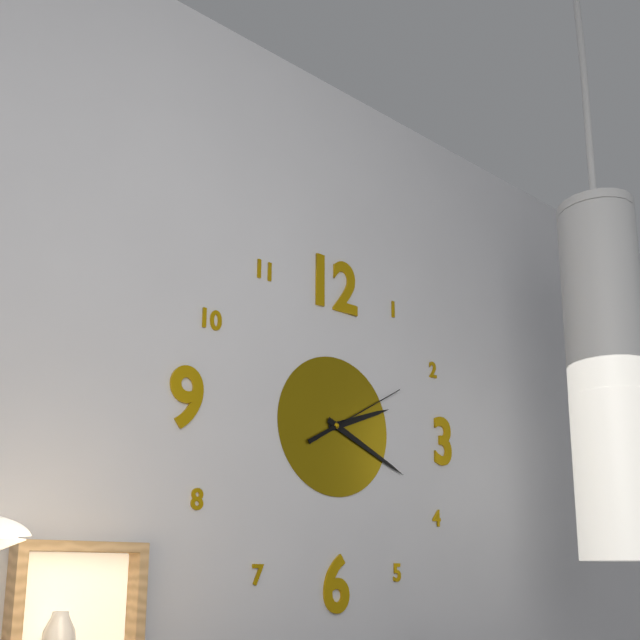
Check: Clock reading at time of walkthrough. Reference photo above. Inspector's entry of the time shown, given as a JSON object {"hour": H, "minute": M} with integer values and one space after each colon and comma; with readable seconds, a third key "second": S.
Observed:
{"hour": 2, "minute": 19, "second": 10}
